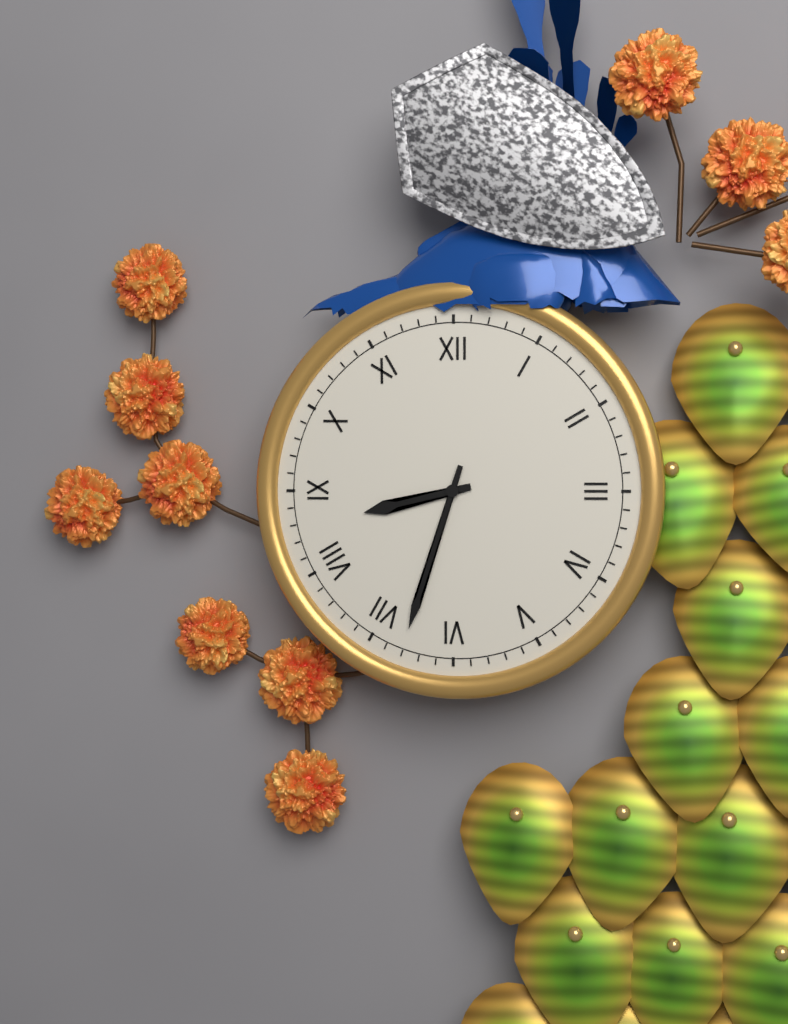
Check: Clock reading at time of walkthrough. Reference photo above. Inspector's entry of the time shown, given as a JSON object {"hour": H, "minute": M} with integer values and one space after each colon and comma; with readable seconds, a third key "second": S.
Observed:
{"hour": 8, "minute": 33}
